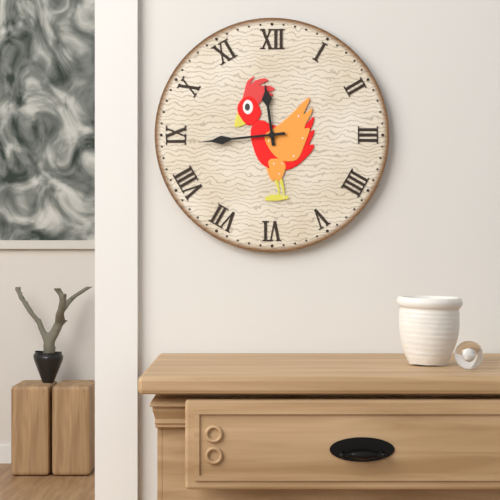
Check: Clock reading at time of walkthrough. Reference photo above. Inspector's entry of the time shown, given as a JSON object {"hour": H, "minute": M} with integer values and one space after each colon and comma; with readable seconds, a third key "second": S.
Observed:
{"hour": 11, "minute": 44}
